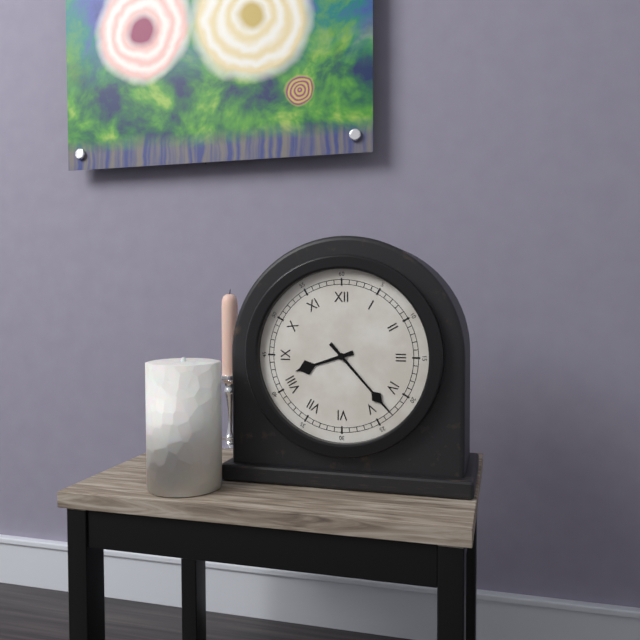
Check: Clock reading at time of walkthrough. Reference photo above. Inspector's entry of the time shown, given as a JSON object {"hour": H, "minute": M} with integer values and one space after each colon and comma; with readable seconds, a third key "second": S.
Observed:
{"hour": 8, "minute": 23}
